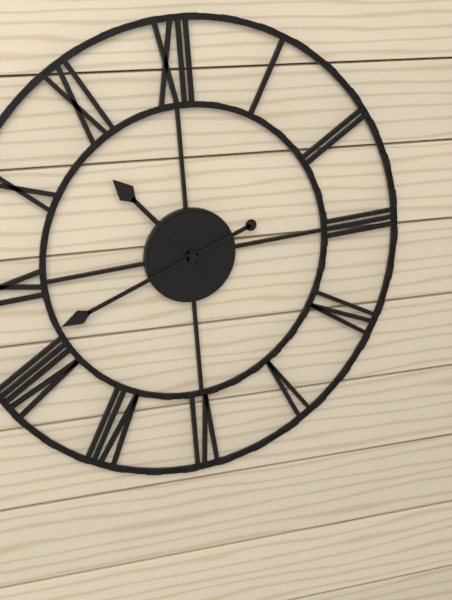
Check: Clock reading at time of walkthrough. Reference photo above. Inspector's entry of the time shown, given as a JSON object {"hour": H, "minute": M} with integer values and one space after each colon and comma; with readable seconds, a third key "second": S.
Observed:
{"hour": 10, "minute": 42}
